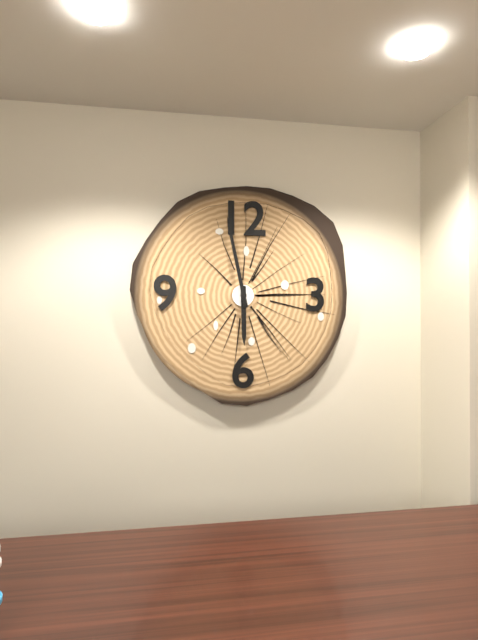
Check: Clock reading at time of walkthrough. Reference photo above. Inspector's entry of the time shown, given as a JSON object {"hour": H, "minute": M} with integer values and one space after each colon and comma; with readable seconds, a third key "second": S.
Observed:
{"hour": 5, "minute": 58}
